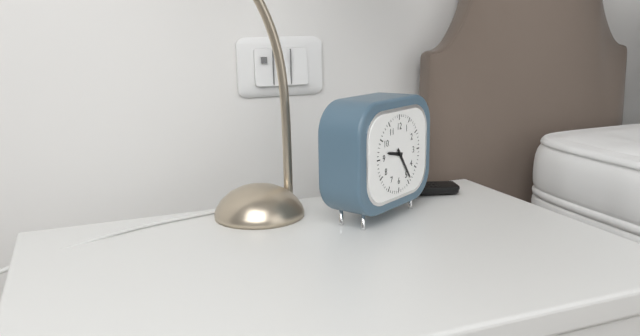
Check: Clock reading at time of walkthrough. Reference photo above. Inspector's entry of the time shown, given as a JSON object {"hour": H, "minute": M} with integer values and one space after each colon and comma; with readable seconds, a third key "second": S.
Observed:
{"hour": 9, "minute": 24}
